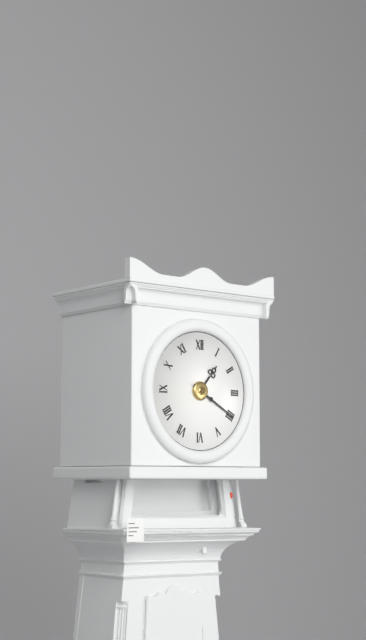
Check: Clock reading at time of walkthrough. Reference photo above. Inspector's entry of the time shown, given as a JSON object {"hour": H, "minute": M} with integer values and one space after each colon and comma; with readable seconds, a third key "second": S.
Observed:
{"hour": 1, "minute": 20}
